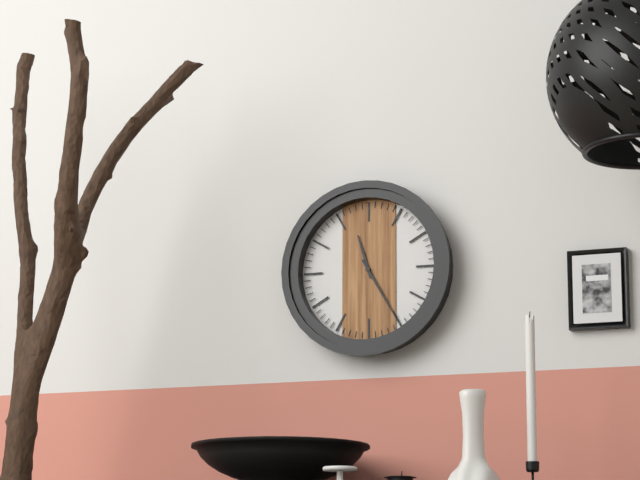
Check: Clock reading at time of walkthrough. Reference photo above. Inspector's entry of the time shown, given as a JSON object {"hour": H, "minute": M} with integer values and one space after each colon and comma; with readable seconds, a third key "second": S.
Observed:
{"hour": 11, "minute": 25}
